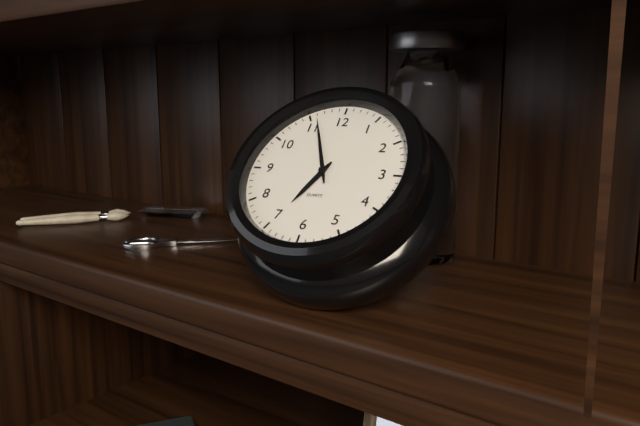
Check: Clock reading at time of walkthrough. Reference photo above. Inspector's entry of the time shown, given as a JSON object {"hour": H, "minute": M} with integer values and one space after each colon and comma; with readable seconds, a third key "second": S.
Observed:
{"hour": 6, "minute": 56}
